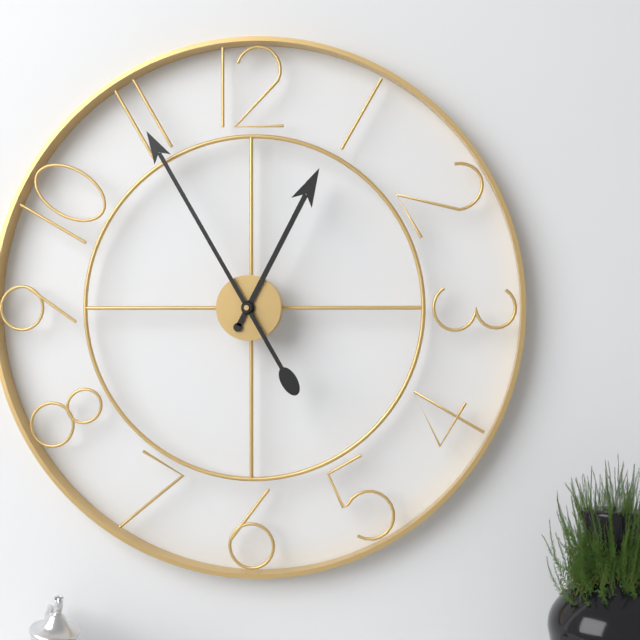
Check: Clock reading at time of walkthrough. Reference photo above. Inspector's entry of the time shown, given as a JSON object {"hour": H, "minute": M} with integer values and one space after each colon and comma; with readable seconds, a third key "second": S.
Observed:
{"hour": 12, "minute": 55}
